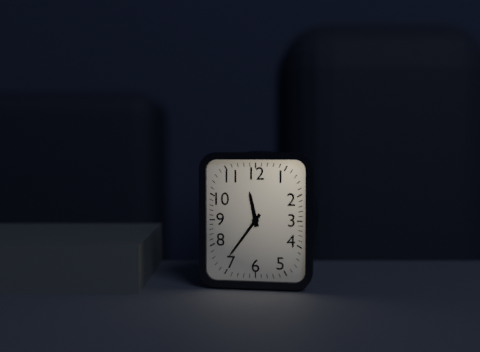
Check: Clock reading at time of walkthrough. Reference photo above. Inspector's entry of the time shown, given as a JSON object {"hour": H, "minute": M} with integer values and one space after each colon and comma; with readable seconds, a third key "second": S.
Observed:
{"hour": 11, "minute": 36}
